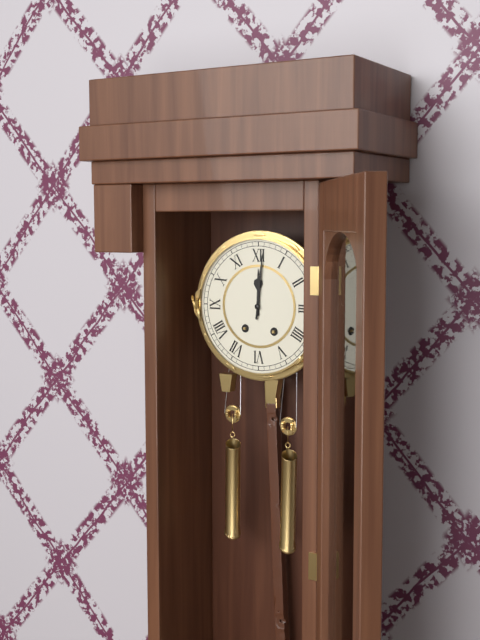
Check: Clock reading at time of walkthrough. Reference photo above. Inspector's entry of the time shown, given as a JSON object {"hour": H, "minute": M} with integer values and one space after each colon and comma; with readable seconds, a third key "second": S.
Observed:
{"hour": 12, "minute": 1}
